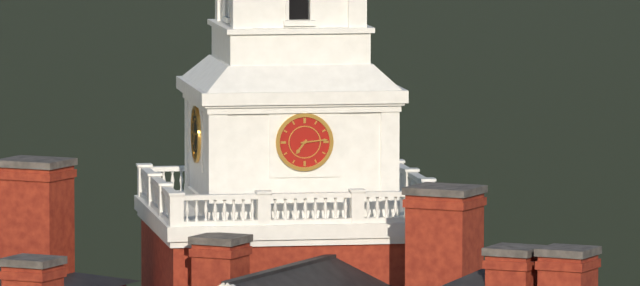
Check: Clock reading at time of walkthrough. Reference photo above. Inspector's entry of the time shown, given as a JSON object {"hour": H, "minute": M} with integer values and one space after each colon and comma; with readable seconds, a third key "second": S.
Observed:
{"hour": 7, "minute": 14}
